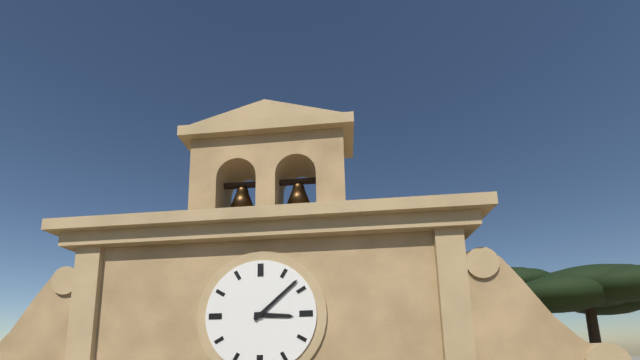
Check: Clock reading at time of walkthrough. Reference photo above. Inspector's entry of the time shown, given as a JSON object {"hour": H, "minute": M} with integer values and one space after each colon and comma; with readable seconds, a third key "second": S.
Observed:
{"hour": 3, "minute": 8}
